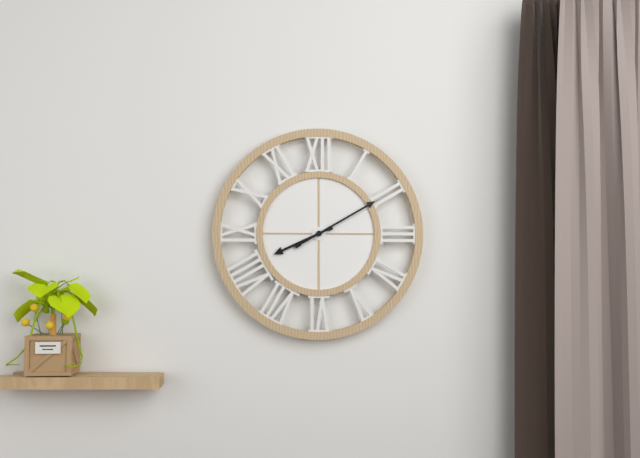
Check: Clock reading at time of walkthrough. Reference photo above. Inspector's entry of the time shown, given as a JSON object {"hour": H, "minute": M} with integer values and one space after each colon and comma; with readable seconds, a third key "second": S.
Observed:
{"hour": 8, "minute": 10}
